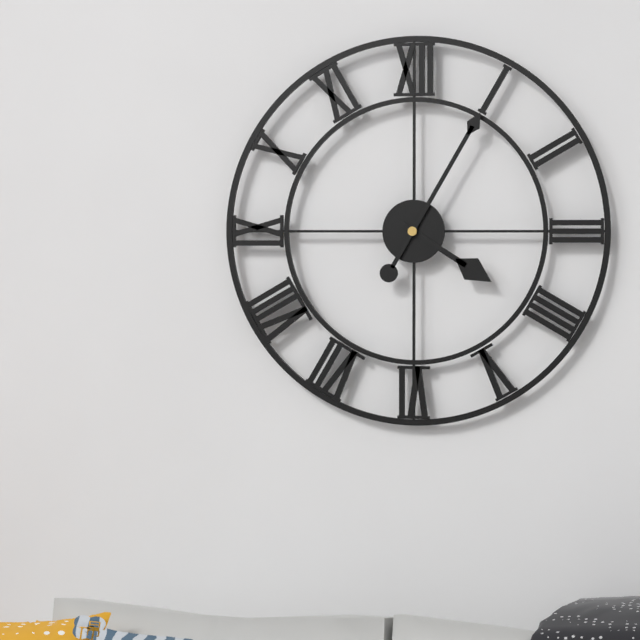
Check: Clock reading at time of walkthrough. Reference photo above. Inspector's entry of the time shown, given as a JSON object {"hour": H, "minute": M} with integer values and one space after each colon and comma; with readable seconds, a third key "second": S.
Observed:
{"hour": 4, "minute": 5}
